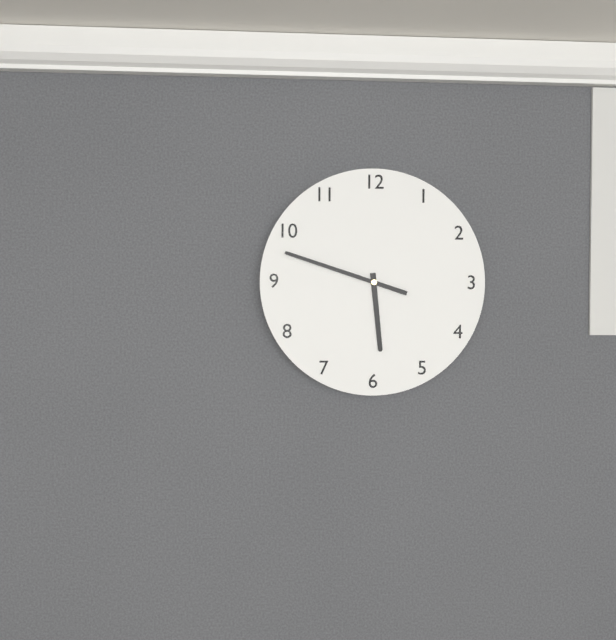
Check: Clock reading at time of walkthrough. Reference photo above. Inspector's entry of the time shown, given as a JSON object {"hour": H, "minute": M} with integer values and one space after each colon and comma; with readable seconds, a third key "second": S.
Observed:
{"hour": 5, "minute": 48}
